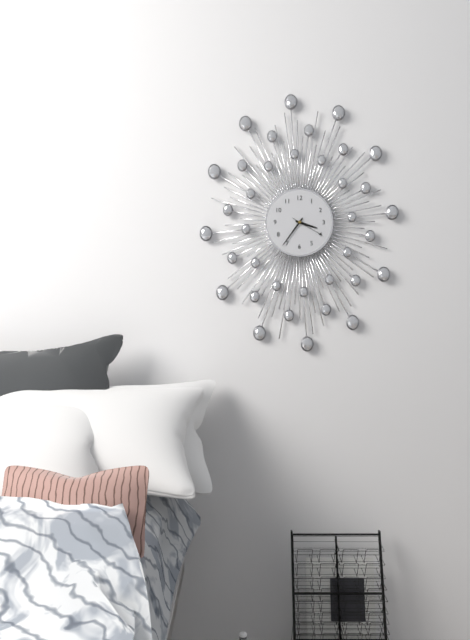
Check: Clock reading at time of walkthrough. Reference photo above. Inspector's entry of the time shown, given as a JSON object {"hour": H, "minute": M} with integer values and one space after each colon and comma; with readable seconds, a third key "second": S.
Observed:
{"hour": 3, "minute": 36}
